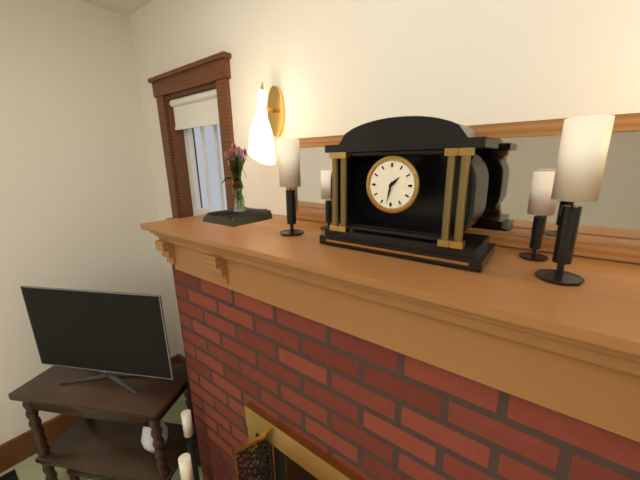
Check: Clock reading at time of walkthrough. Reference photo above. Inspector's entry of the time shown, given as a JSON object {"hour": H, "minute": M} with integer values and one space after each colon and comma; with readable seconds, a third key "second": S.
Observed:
{"hour": 1, "minute": 32}
